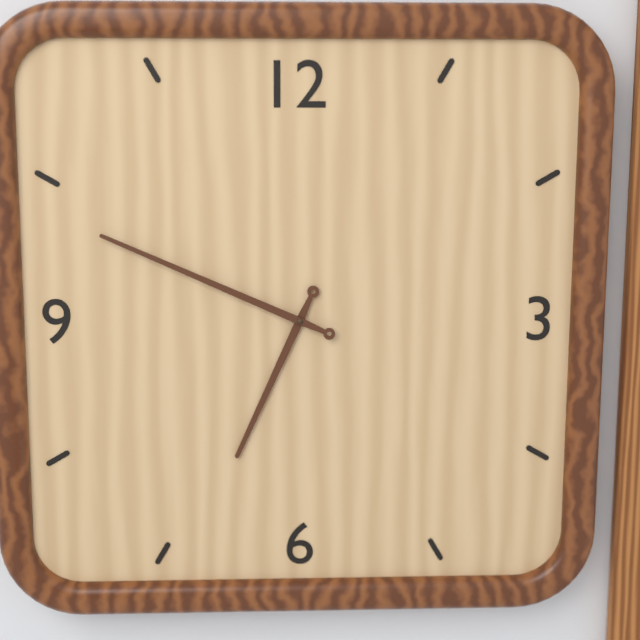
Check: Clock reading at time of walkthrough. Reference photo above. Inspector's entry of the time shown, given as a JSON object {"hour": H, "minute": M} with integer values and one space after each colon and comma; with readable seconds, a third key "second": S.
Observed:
{"hour": 6, "minute": 49}
